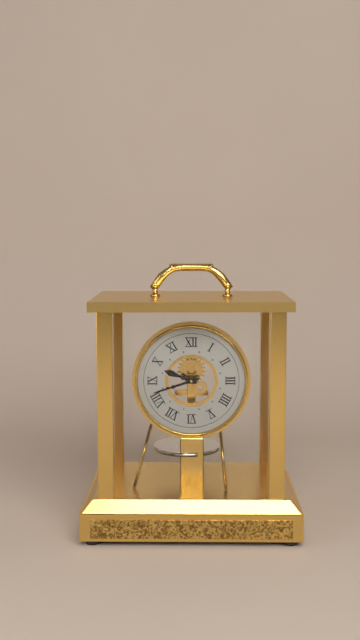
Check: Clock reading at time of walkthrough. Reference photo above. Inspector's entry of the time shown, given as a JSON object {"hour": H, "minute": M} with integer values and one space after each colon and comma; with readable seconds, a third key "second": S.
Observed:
{"hour": 9, "minute": 42}
